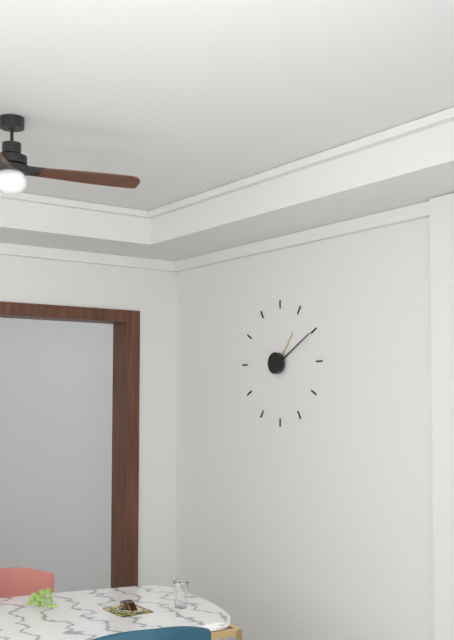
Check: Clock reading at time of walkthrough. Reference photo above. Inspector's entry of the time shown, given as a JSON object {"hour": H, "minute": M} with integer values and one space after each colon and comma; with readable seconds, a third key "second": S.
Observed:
{"hour": 1, "minute": 10}
